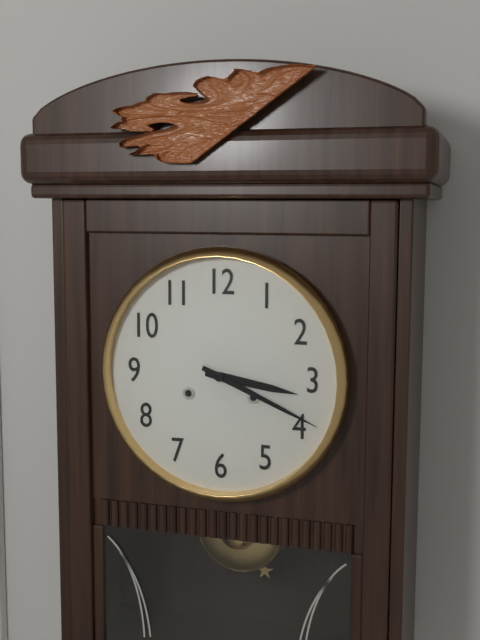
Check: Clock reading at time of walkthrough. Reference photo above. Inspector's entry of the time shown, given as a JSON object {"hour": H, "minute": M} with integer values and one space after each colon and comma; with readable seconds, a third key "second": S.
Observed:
{"hour": 3, "minute": 19}
